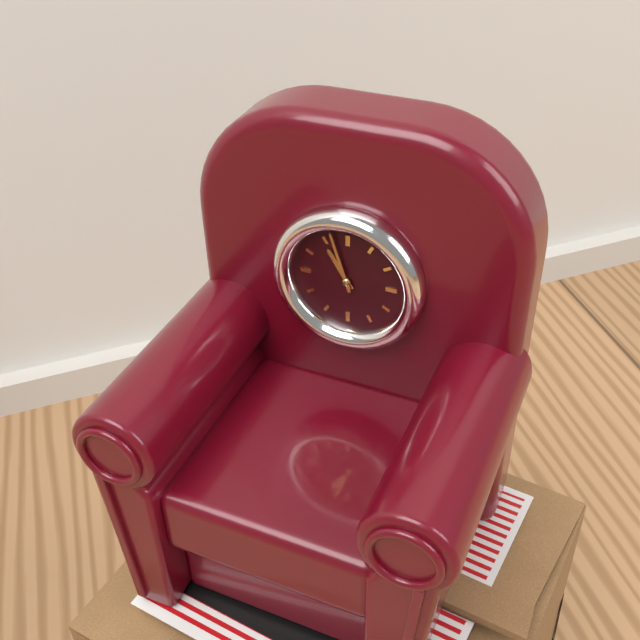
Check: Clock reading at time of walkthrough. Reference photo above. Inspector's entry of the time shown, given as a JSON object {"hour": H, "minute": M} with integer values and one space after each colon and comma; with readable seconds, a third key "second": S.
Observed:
{"hour": 10, "minute": 57}
